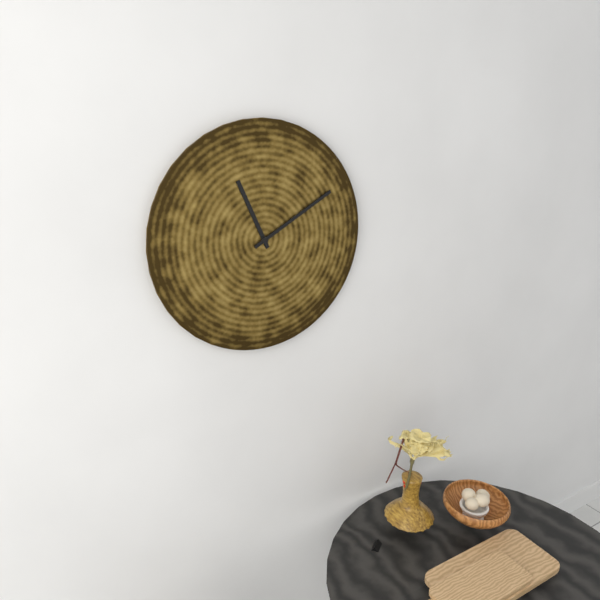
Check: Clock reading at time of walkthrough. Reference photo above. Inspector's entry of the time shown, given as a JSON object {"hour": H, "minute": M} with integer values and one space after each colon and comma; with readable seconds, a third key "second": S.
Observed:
{"hour": 11, "minute": 10}
